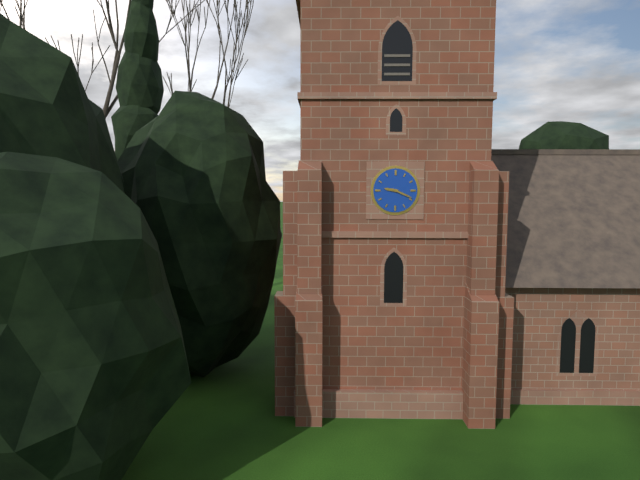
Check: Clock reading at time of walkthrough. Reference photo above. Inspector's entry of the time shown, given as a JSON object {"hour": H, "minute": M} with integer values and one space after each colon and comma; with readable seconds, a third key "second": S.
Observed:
{"hour": 9, "minute": 19}
